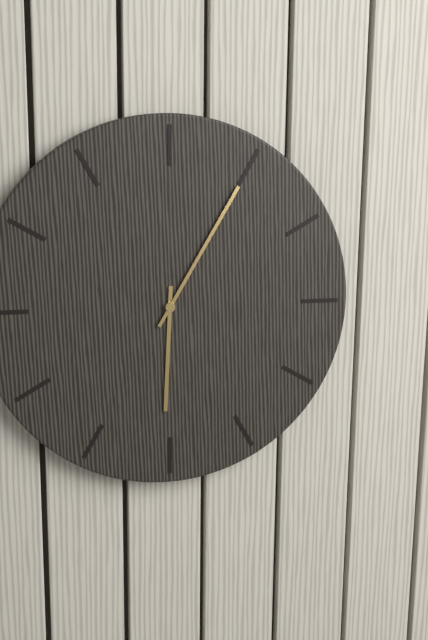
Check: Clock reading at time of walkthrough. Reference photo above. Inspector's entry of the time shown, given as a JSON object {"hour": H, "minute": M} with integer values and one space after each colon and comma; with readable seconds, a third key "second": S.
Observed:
{"hour": 6, "minute": 5}
